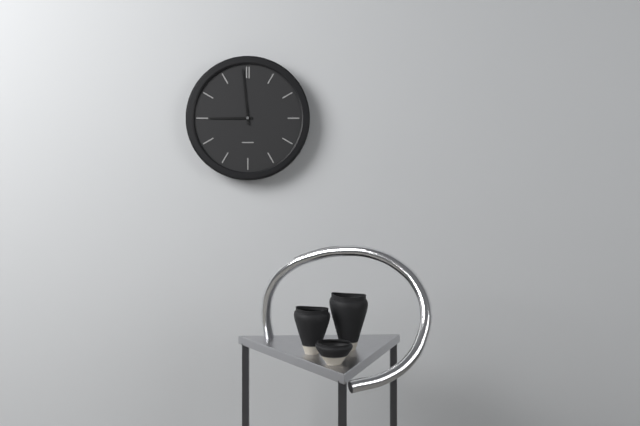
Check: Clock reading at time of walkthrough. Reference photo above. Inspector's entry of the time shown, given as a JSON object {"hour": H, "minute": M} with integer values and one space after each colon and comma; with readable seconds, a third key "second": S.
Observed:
{"hour": 8, "minute": 59}
